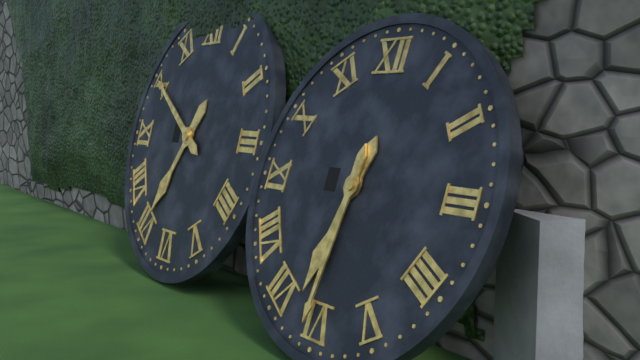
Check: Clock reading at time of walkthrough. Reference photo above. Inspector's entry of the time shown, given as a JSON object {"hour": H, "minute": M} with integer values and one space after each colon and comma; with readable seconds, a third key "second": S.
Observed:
{"hour": 6, "minute": 31}
